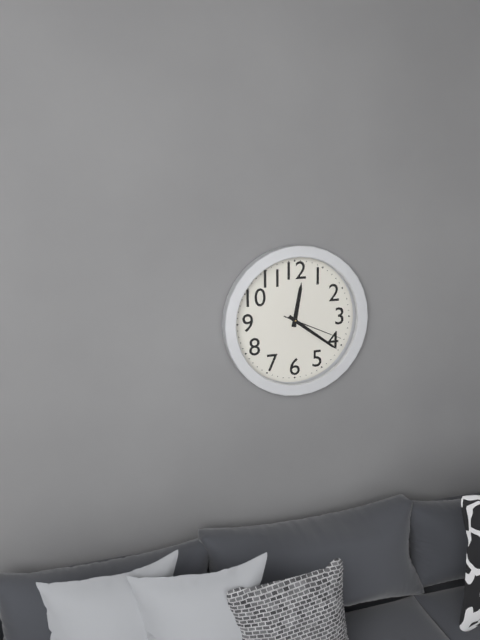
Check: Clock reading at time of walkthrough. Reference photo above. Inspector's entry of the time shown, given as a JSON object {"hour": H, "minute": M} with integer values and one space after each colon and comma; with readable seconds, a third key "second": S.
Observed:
{"hour": 12, "minute": 21, "second": 19}
